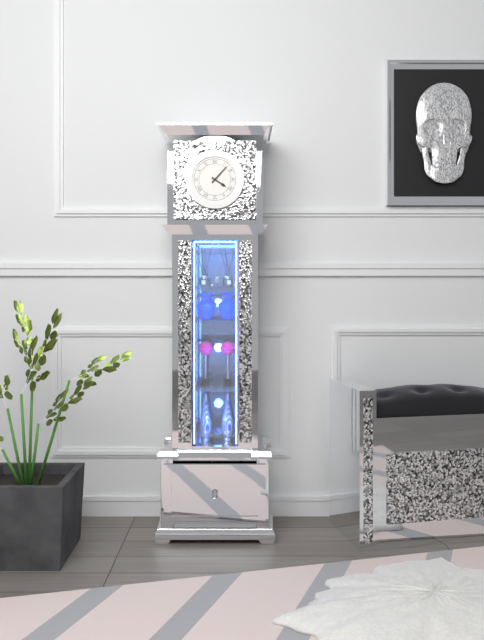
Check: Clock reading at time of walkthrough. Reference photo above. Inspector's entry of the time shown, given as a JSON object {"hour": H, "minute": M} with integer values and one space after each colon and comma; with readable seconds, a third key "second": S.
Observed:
{"hour": 4, "minute": 7}
